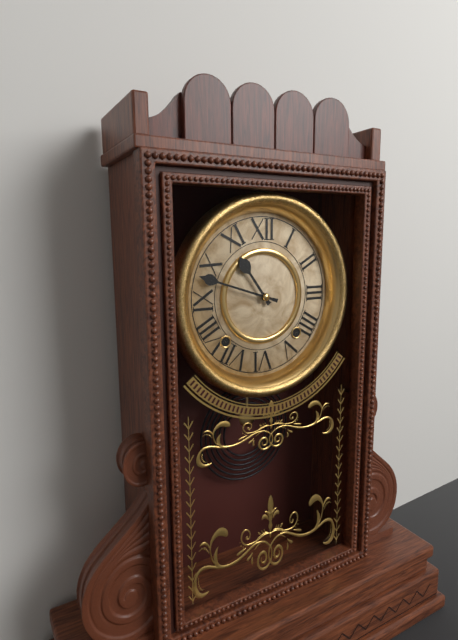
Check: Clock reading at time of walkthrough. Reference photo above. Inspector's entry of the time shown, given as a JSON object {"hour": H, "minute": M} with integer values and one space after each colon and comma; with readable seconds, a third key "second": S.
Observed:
{"hour": 10, "minute": 48}
